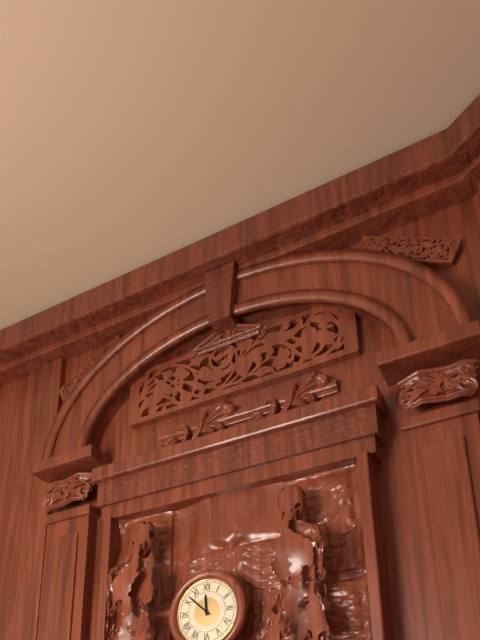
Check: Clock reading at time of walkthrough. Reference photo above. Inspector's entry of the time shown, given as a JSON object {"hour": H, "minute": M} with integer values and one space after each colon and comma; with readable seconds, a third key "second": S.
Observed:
{"hour": 11, "minute": 52}
